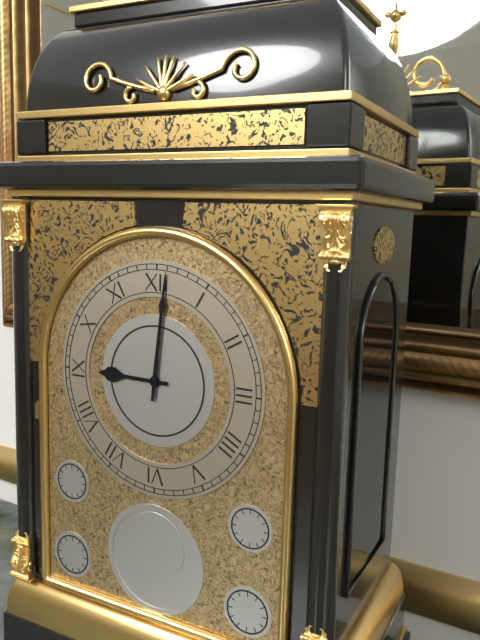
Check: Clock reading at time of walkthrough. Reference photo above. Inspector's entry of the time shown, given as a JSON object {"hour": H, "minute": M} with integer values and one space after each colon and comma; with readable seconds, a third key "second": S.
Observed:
{"hour": 9, "minute": 1}
